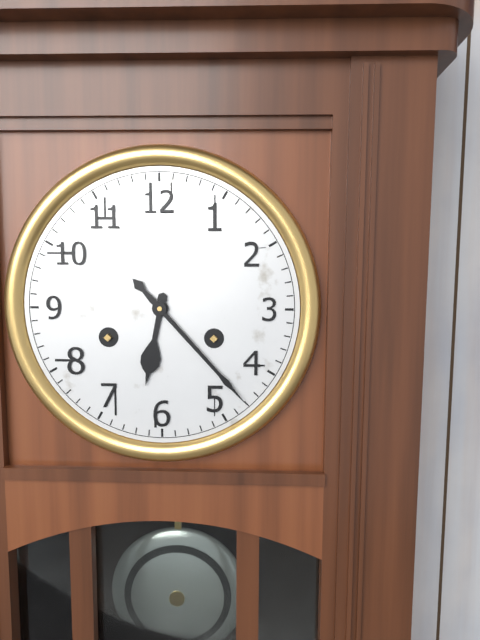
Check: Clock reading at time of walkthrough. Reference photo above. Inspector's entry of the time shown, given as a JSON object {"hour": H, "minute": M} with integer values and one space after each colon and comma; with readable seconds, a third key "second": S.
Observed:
{"hour": 6, "minute": 23}
